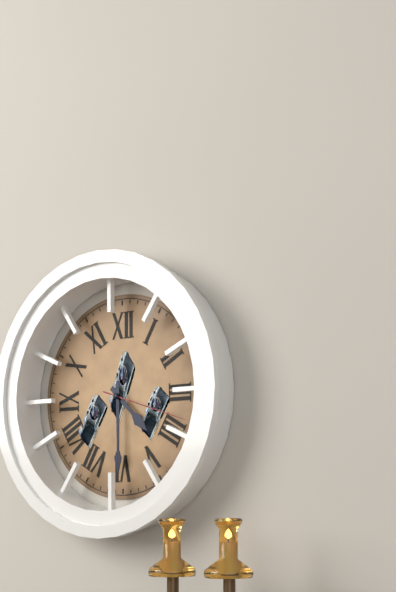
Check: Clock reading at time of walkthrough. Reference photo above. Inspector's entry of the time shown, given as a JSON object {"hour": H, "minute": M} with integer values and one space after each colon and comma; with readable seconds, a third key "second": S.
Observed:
{"hour": 4, "minute": 30, "second": 18}
